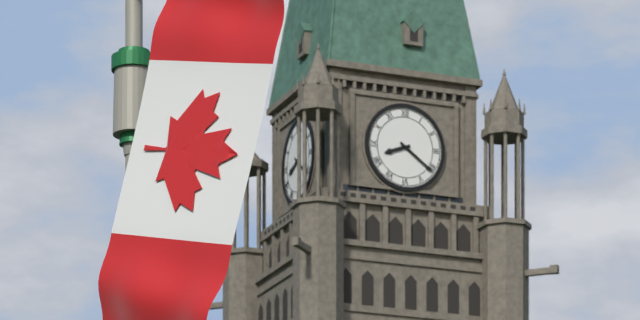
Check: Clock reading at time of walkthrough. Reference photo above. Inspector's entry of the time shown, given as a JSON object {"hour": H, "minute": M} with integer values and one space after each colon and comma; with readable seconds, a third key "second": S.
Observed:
{"hour": 8, "minute": 21}
